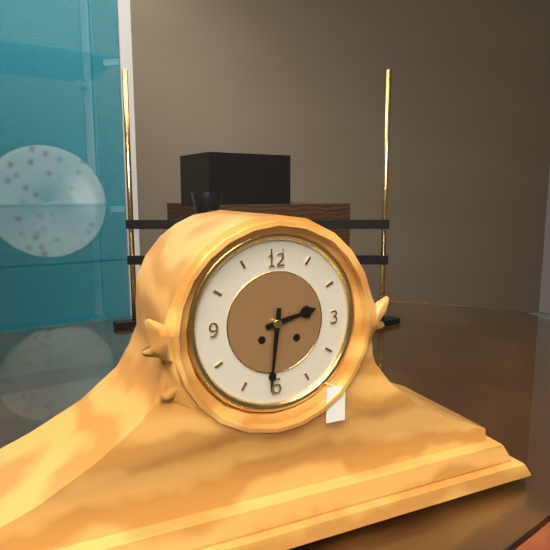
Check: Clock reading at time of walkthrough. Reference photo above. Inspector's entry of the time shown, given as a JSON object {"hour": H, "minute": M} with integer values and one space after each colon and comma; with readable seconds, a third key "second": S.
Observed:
{"hour": 2, "minute": 31}
